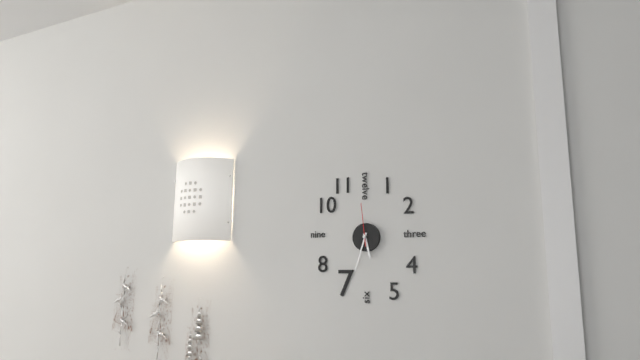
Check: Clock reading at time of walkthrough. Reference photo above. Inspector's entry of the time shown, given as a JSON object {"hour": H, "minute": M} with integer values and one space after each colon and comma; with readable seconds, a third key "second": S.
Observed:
{"hour": 5, "minute": 33}
